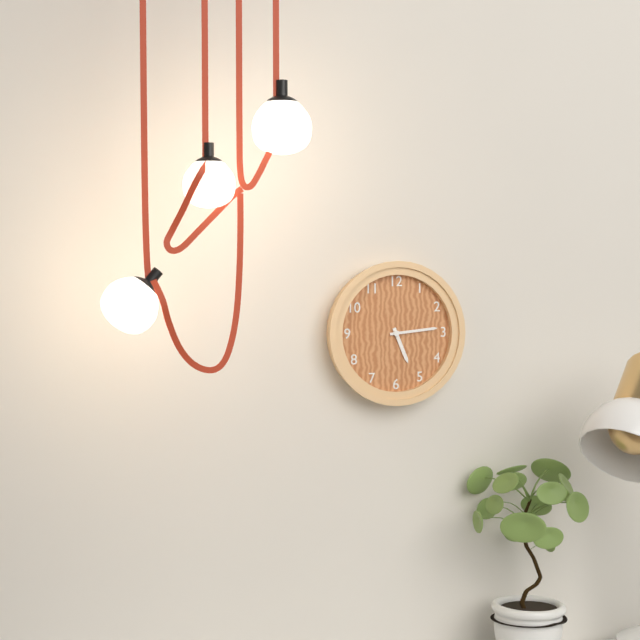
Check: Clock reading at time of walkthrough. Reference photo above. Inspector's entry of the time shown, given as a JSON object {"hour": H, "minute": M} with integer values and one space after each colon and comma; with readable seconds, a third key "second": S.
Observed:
{"hour": 5, "minute": 14}
